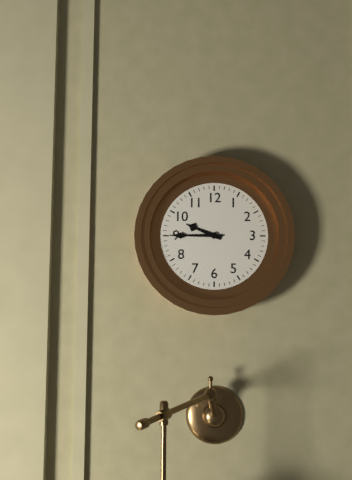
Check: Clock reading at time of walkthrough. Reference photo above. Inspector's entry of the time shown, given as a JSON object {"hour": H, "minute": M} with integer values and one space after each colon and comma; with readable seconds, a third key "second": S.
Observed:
{"hour": 9, "minute": 45}
